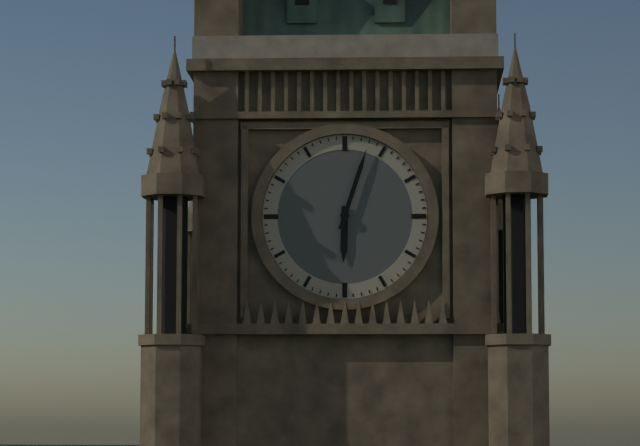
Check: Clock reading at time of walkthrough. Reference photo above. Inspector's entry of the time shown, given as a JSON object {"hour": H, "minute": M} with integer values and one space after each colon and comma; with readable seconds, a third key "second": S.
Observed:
{"hour": 6, "minute": 3}
